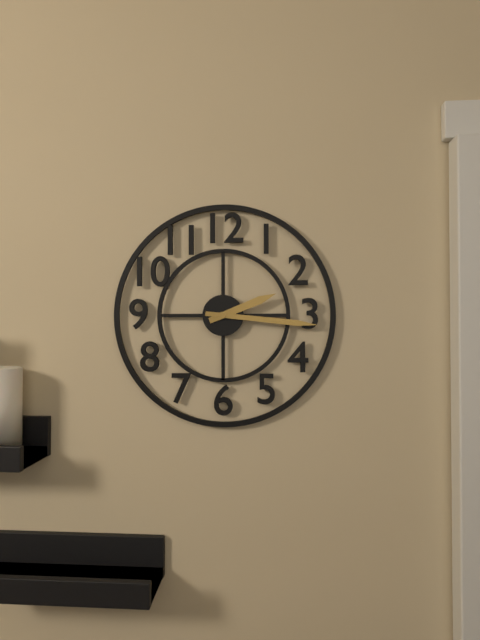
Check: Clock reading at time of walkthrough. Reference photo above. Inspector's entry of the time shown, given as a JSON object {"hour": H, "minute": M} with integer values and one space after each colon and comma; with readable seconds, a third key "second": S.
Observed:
{"hour": 2, "minute": 16}
